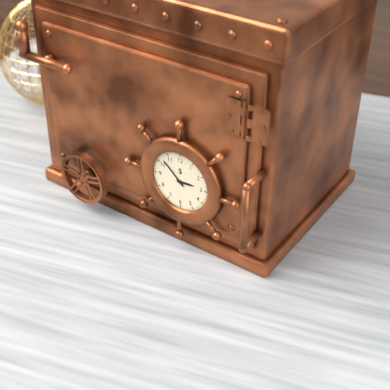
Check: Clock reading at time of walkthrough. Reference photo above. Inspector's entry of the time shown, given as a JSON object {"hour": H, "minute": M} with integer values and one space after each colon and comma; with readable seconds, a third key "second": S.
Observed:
{"hour": 2, "minute": 52}
